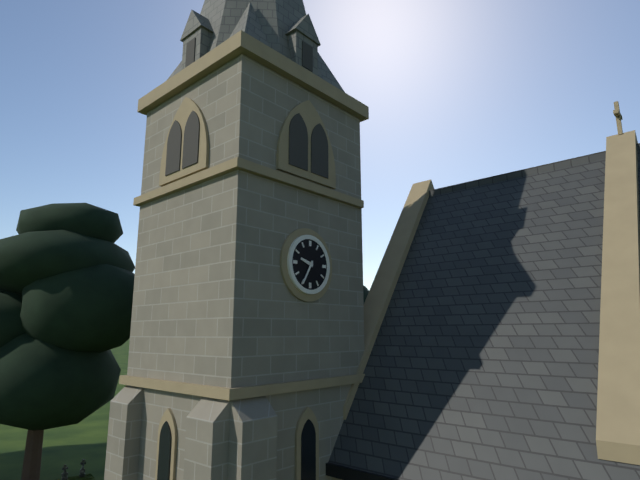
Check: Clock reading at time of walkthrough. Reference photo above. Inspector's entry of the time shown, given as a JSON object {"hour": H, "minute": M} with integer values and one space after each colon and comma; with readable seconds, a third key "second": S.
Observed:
{"hour": 9, "minute": 35}
